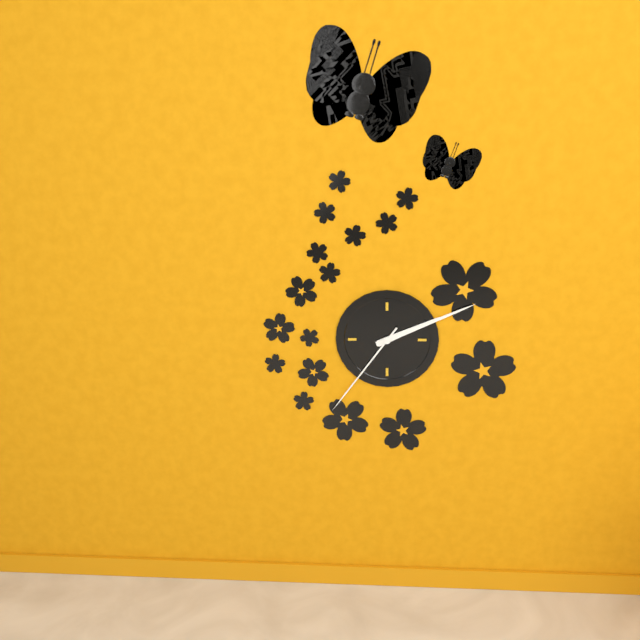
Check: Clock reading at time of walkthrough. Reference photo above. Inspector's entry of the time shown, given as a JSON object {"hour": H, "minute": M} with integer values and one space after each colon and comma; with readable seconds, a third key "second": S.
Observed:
{"hour": 2, "minute": 11, "second": 36}
